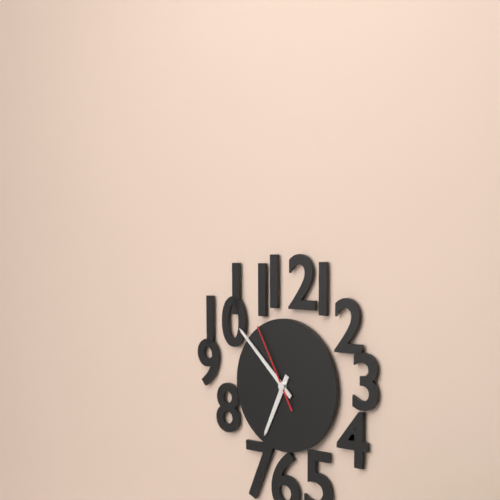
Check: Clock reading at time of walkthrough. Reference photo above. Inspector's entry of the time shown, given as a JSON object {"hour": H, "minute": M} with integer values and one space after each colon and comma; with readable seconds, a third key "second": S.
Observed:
{"hour": 6, "minute": 52, "second": 55}
